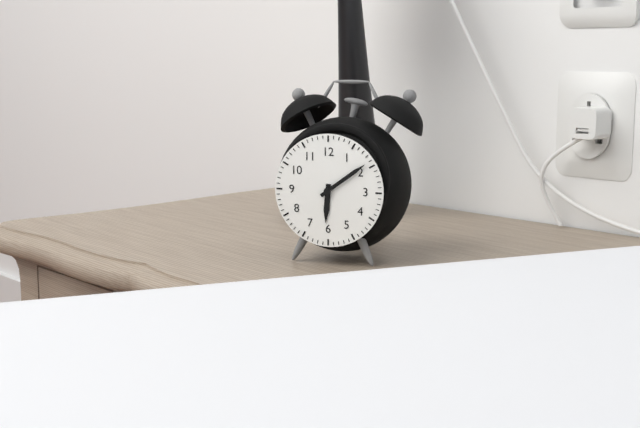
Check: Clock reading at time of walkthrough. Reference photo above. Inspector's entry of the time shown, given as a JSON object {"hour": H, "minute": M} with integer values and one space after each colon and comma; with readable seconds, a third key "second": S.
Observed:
{"hour": 6, "minute": 9}
